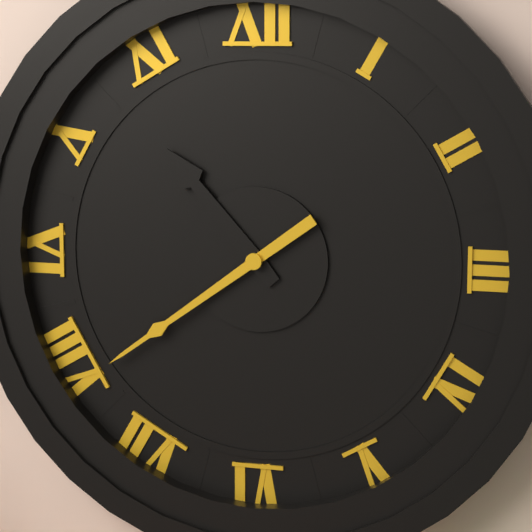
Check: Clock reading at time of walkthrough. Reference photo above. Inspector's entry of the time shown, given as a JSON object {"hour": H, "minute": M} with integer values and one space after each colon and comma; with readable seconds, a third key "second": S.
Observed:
{"hour": 10, "minute": 39}
